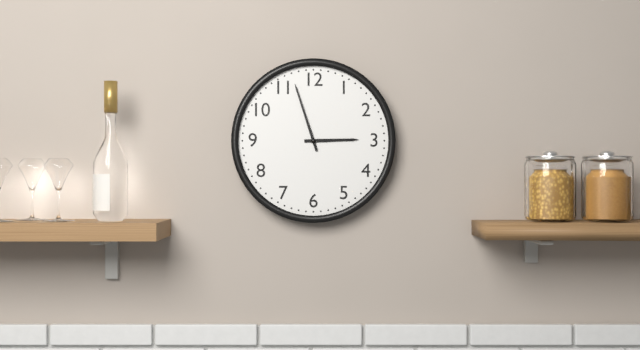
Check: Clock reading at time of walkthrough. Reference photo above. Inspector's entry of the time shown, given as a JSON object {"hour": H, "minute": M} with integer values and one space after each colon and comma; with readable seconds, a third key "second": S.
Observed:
{"hour": 2, "minute": 57}
